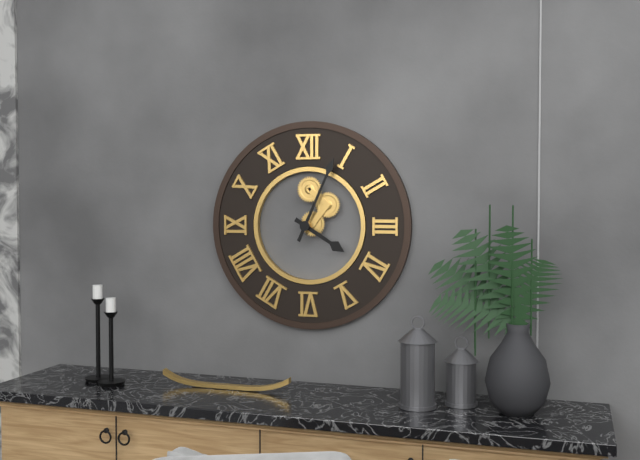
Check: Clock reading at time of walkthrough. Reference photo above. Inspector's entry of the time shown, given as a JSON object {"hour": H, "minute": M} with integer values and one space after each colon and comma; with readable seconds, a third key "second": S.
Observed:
{"hour": 4, "minute": 4}
